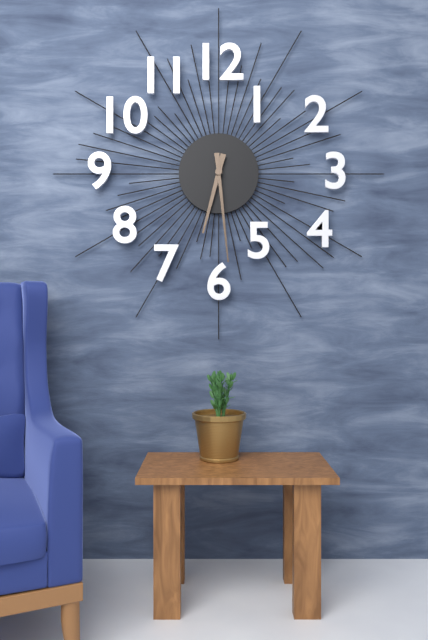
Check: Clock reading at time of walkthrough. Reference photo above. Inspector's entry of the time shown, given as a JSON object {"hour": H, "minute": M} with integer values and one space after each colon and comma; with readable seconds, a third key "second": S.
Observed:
{"hour": 6, "minute": 29}
